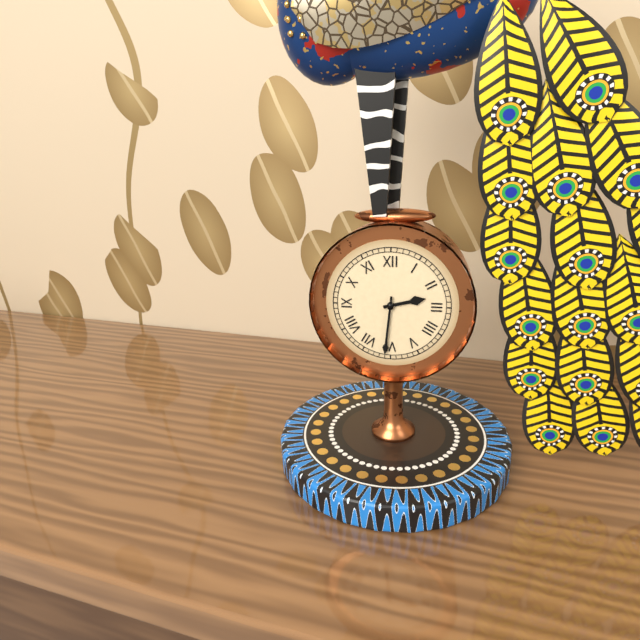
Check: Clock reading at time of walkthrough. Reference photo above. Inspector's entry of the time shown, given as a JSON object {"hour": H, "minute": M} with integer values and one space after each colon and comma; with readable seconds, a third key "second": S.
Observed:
{"hour": 2, "minute": 31}
